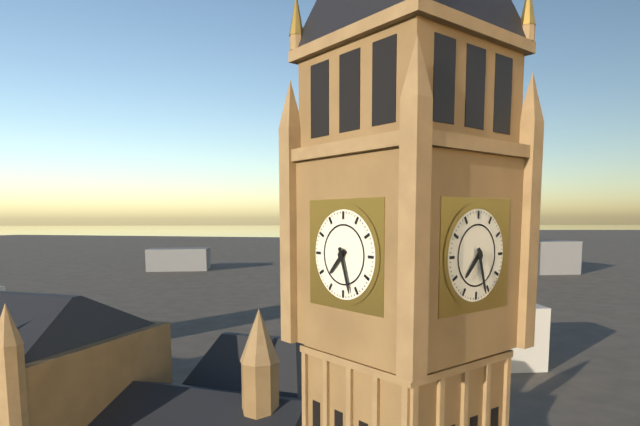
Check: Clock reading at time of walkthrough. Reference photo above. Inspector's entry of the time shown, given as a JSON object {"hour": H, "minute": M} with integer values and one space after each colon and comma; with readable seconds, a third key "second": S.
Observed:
{"hour": 7, "minute": 27}
